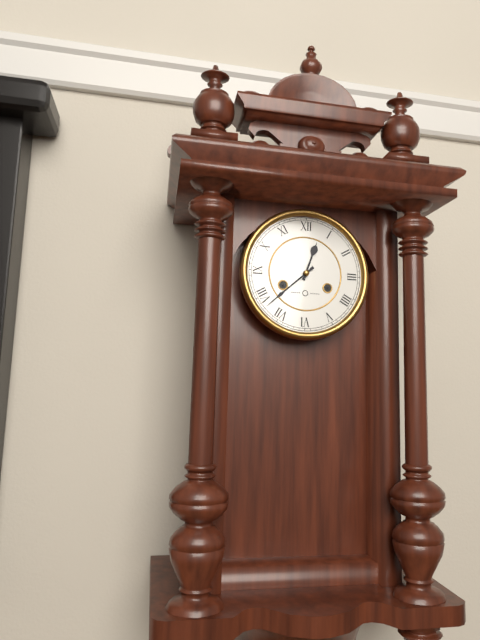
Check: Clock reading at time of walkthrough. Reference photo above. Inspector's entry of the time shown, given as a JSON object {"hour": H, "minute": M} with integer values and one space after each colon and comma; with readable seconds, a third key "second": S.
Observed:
{"hour": 12, "minute": 38}
